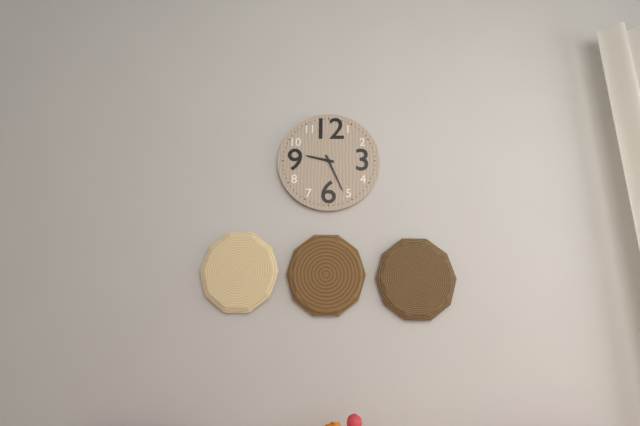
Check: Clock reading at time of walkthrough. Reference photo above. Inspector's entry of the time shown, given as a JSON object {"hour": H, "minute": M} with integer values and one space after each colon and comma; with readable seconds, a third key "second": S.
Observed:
{"hour": 9, "minute": 26}
